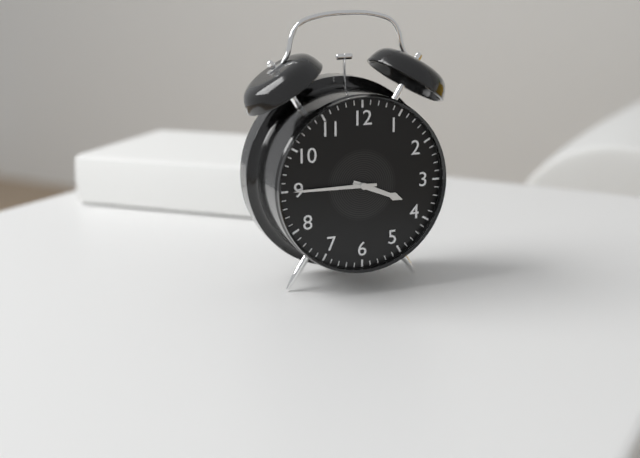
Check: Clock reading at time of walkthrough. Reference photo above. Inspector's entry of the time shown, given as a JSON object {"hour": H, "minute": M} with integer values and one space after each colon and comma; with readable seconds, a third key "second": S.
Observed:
{"hour": 3, "minute": 45}
